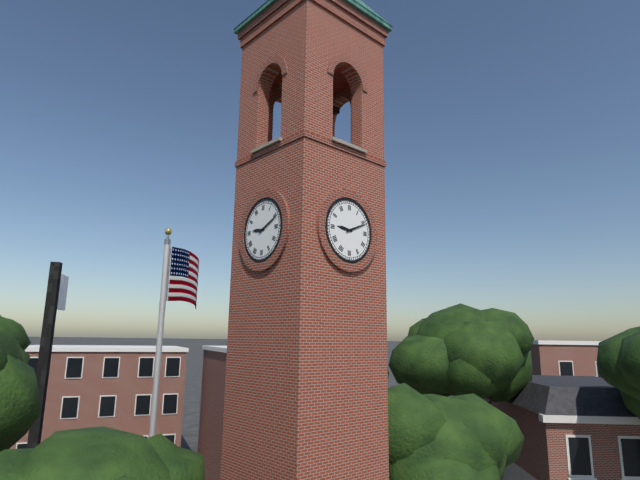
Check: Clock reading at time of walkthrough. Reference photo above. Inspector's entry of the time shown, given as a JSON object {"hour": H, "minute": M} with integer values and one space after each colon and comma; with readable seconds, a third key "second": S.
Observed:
{"hour": 9, "minute": 11}
